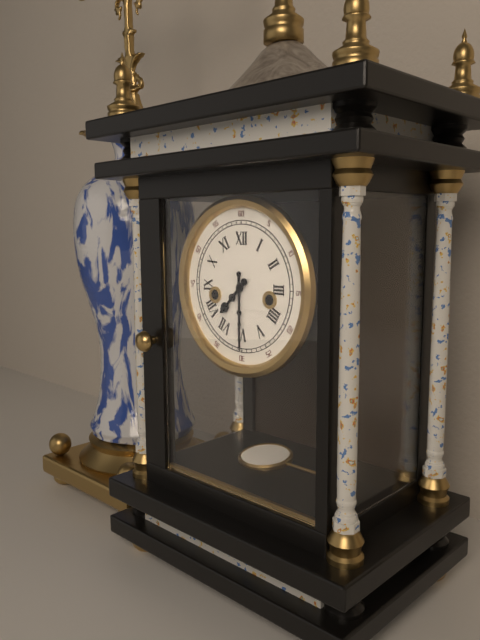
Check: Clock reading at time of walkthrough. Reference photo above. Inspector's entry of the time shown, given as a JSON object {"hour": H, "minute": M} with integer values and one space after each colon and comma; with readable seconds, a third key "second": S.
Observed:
{"hour": 7, "minute": 30}
